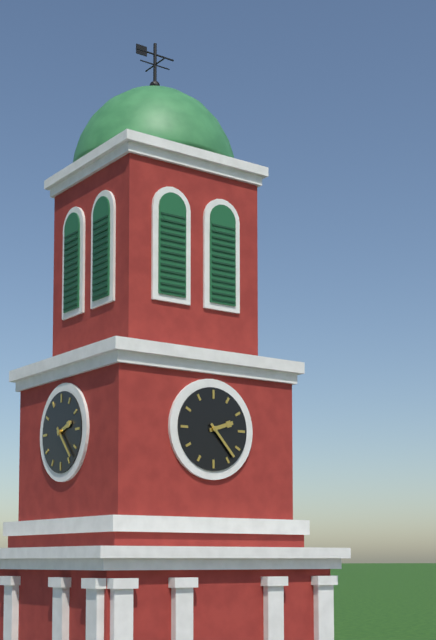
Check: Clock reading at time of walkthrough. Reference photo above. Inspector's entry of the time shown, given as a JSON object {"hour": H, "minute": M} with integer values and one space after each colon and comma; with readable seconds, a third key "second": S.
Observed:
{"hour": 2, "minute": 23}
